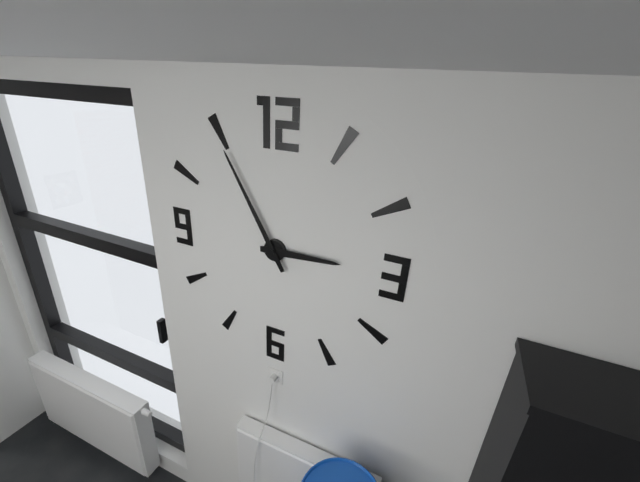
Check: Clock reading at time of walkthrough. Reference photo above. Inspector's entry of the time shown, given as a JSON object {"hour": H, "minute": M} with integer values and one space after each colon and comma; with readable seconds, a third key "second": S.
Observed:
{"hour": 2, "minute": 55}
